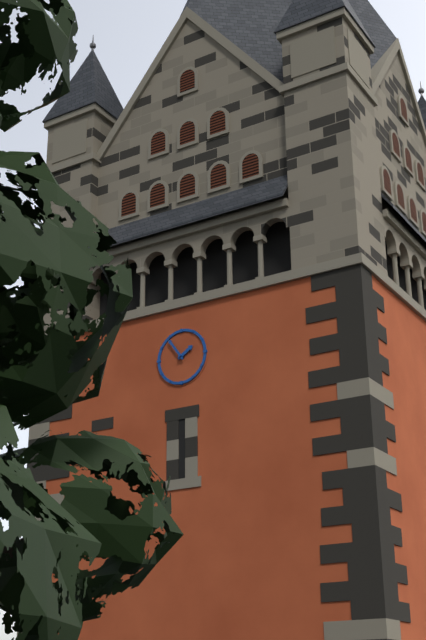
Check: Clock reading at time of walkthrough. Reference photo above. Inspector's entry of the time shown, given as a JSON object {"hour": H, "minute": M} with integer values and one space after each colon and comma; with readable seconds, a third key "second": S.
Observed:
{"hour": 1, "minute": 54}
